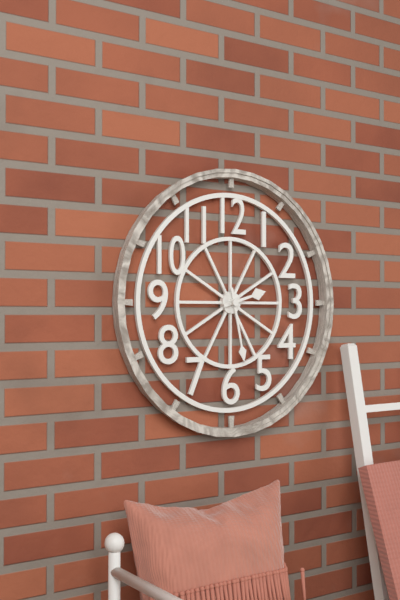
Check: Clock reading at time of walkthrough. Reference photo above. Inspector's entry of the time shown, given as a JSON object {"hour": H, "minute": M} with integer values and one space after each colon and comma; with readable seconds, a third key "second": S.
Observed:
{"hour": 2, "minute": 28}
